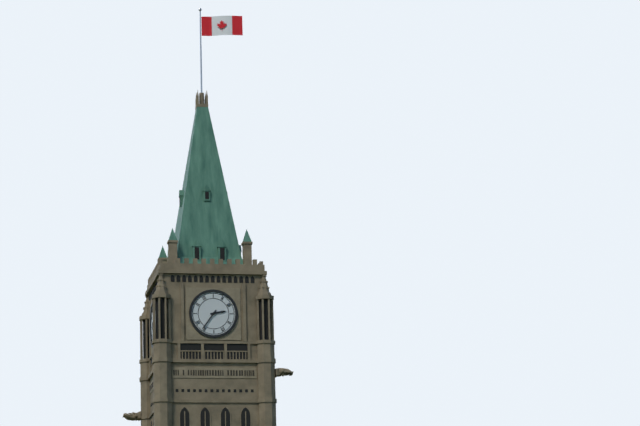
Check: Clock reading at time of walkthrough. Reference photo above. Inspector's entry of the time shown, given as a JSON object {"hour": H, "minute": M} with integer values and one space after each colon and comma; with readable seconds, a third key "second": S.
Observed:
{"hour": 2, "minute": 36}
